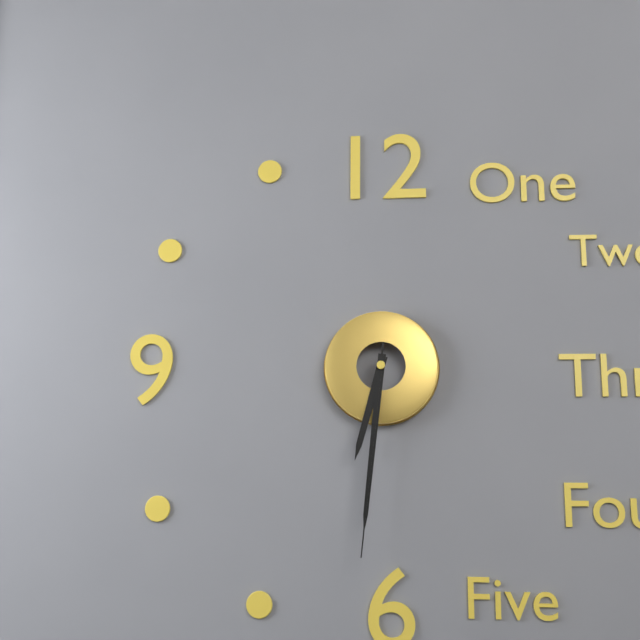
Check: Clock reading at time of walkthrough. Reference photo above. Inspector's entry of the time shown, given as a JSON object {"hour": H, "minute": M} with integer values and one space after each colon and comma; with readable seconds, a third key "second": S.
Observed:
{"hour": 6, "minute": 31, "second": 31}
